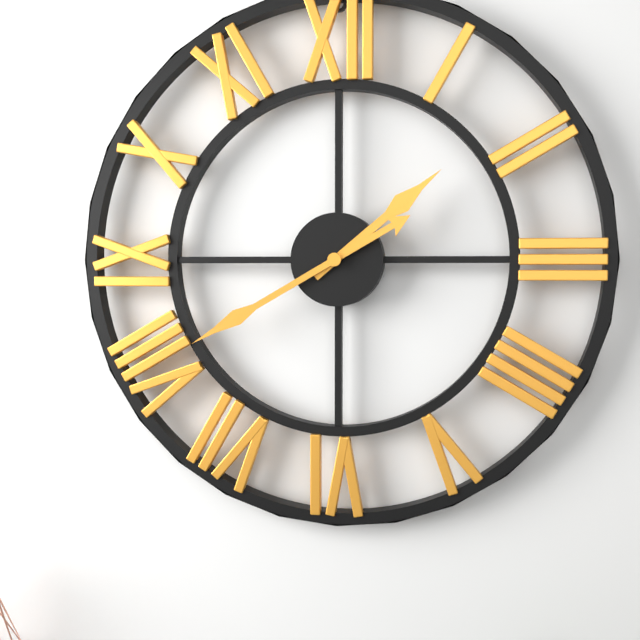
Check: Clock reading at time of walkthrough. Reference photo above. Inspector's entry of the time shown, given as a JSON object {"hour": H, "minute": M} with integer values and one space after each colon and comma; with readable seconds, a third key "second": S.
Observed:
{"hour": 1, "minute": 40}
